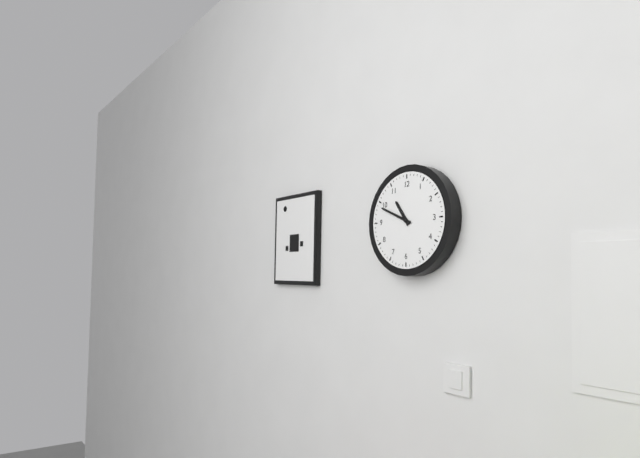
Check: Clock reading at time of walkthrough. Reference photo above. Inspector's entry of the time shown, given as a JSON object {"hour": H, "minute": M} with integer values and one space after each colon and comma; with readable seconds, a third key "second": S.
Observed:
{"hour": 10, "minute": 49}
